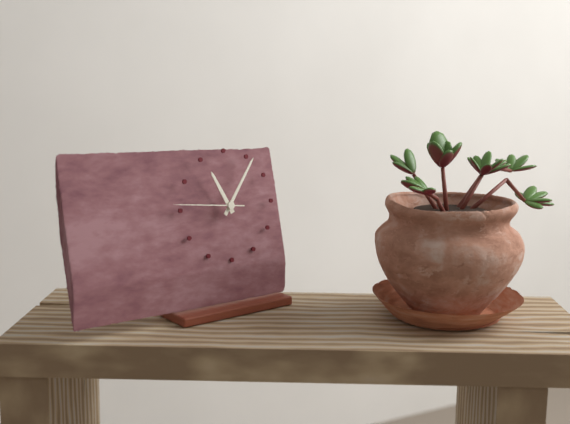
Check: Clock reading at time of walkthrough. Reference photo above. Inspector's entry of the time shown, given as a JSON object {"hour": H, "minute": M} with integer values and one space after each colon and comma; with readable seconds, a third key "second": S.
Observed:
{"hour": 11, "minute": 6, "second": 46}
